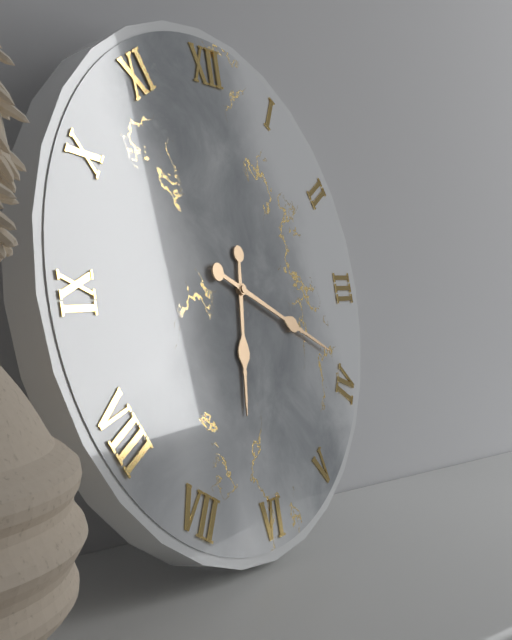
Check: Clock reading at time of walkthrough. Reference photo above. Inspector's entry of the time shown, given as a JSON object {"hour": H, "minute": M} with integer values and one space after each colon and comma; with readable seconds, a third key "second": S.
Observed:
{"hour": 6, "minute": 19}
